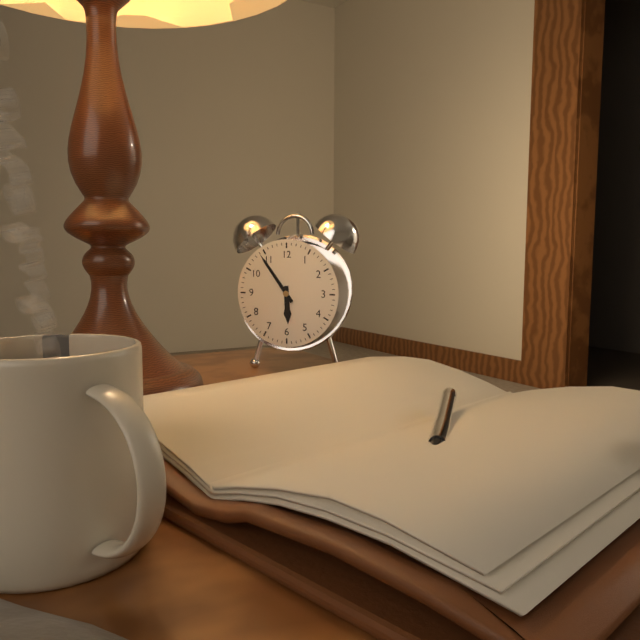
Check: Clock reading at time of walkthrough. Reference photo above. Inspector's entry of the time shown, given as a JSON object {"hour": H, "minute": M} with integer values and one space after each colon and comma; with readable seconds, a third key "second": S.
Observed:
{"hour": 5, "minute": 54}
